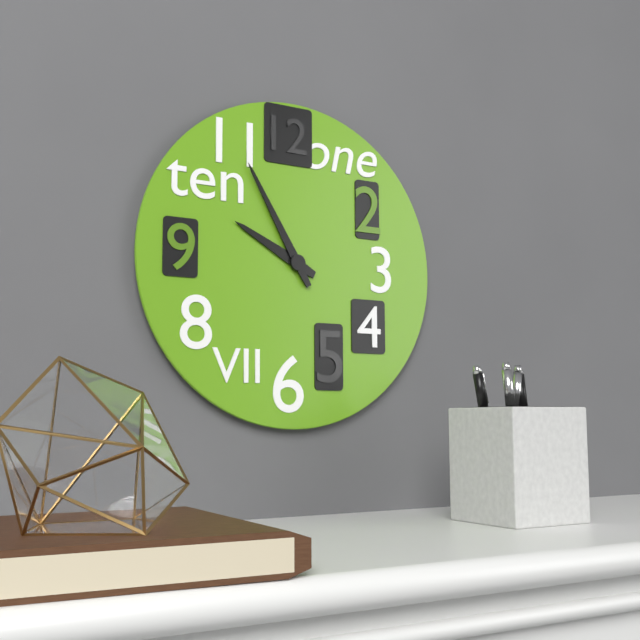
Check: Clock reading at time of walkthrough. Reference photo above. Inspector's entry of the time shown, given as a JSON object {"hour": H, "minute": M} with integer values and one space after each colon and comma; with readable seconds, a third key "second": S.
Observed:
{"hour": 9, "minute": 55}
